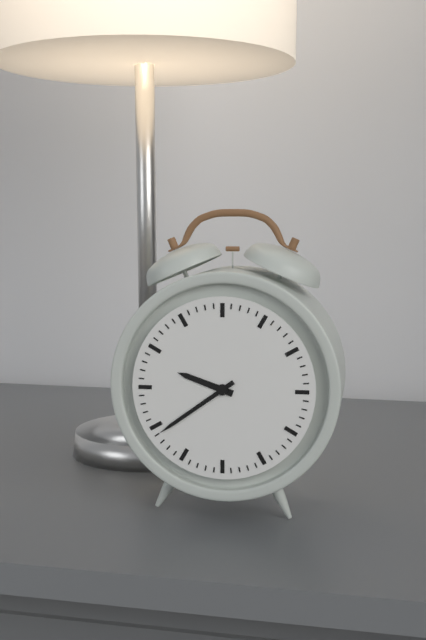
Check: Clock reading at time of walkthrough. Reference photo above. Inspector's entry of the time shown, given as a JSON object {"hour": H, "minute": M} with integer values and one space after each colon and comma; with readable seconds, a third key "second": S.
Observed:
{"hour": 9, "minute": 39}
